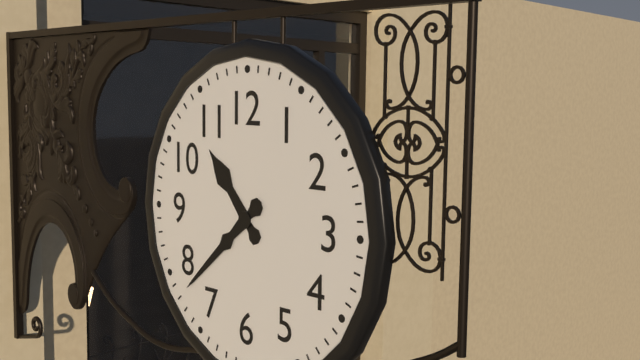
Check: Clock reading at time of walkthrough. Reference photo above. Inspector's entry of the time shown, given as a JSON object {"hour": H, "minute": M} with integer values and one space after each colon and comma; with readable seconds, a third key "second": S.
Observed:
{"hour": 10, "minute": 38}
